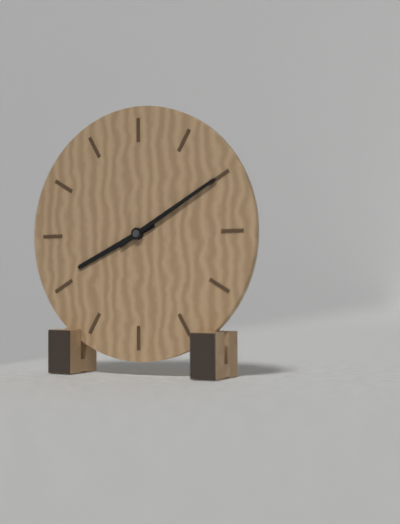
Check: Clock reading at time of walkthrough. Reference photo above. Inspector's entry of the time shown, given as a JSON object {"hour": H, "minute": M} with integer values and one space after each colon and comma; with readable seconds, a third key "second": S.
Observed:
{"hour": 8, "minute": 10}
